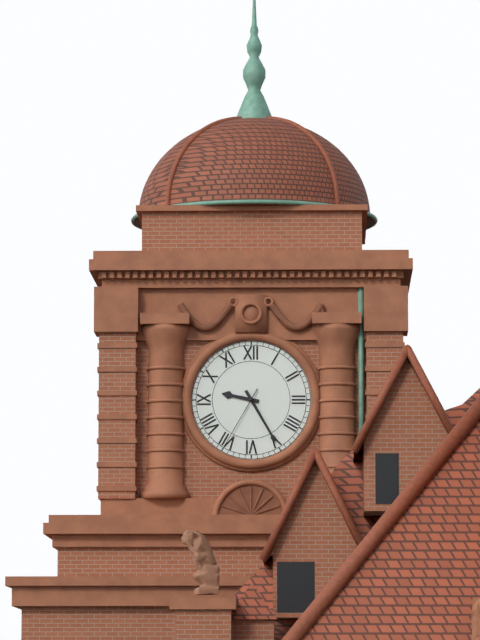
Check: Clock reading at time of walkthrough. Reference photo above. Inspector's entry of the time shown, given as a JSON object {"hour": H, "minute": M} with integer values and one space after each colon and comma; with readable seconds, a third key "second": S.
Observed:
{"hour": 9, "minute": 25, "second": 35}
